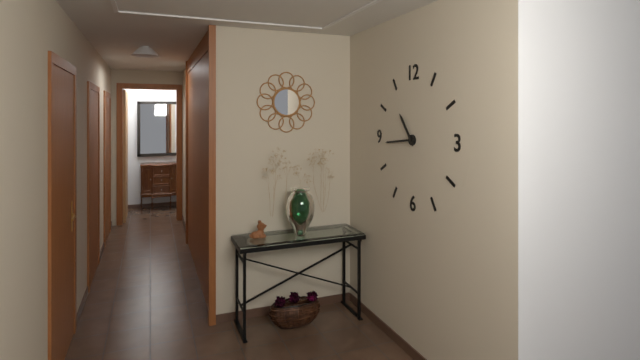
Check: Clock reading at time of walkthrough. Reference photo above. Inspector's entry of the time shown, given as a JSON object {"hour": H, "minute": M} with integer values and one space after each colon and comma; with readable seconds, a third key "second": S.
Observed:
{"hour": 10, "minute": 44}
